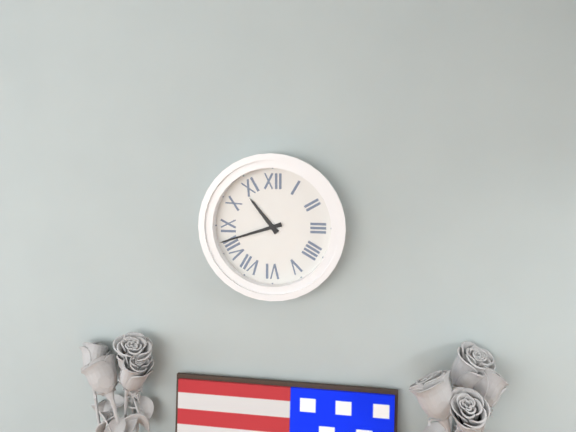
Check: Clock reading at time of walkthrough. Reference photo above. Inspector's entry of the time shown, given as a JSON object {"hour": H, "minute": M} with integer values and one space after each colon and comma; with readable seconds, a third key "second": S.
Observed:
{"hour": 10, "minute": 42}
